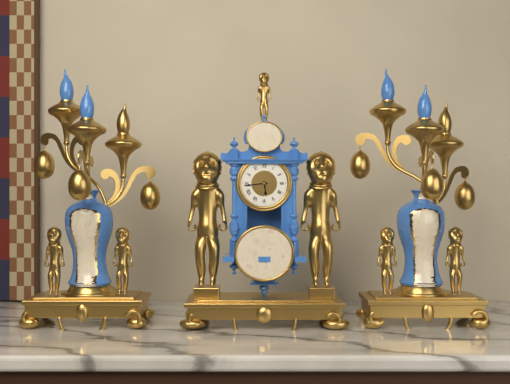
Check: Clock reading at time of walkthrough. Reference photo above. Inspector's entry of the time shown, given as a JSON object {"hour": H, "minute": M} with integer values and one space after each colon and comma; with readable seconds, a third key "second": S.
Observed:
{"hour": 5, "minute": 44}
